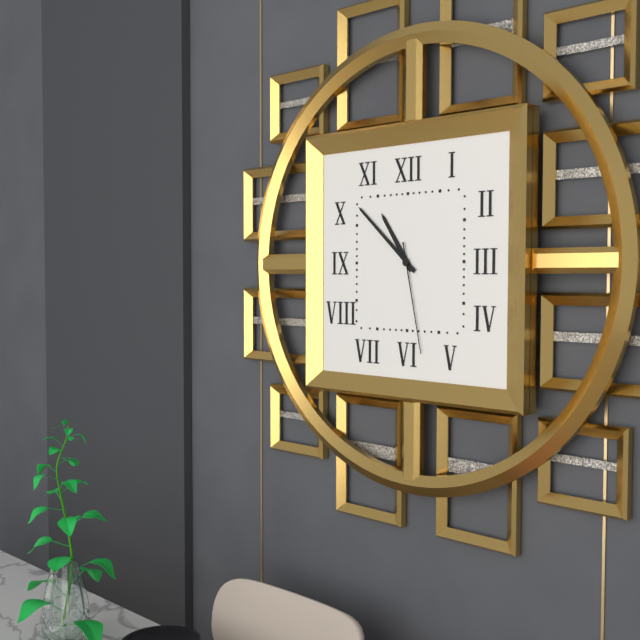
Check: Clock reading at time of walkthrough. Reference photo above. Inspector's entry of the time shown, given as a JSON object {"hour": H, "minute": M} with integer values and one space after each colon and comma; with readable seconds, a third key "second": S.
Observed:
{"hour": 10, "minute": 52, "second": 28}
